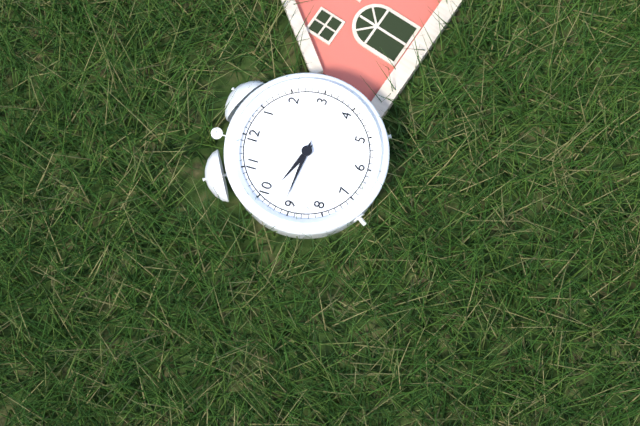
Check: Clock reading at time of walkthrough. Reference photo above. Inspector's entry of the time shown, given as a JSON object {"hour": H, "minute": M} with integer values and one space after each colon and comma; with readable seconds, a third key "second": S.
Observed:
{"hour": 9, "minute": 46}
